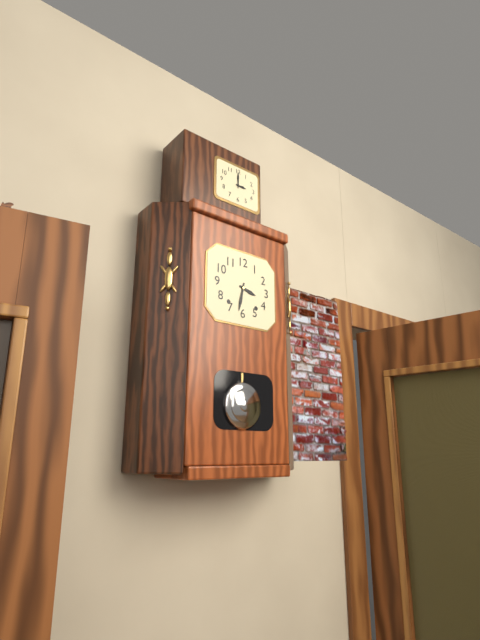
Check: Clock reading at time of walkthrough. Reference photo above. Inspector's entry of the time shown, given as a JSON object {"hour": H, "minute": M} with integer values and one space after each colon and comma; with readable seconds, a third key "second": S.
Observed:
{"hour": 3, "minute": 32}
